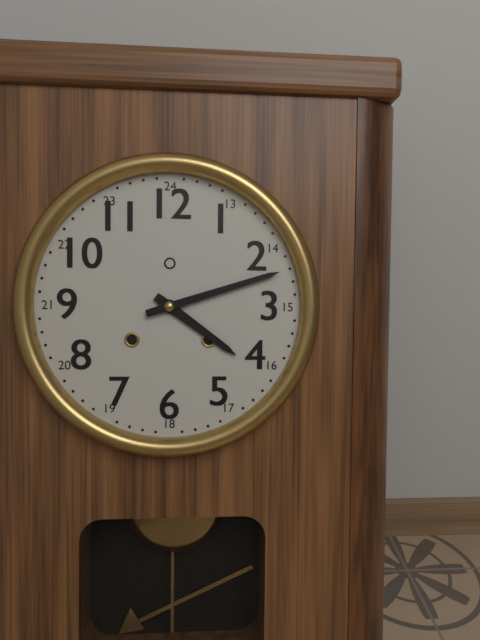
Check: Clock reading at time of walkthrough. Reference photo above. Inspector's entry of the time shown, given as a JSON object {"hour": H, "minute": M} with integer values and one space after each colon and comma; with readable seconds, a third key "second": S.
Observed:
{"hour": 4, "minute": 12}
